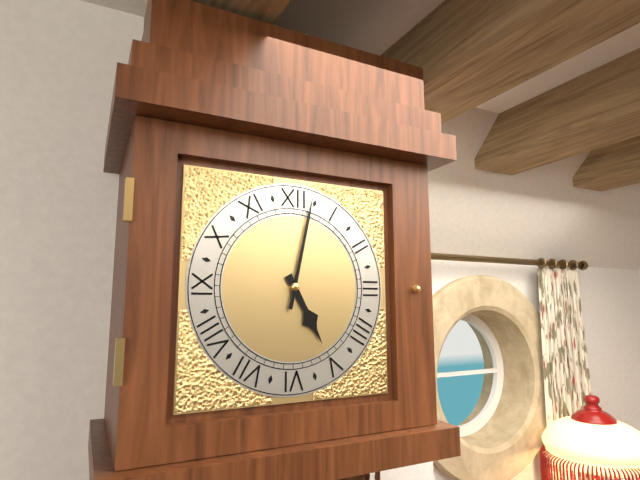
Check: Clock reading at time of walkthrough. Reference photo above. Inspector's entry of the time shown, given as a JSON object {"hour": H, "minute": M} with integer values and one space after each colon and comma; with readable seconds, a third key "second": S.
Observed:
{"hour": 5, "minute": 2}
